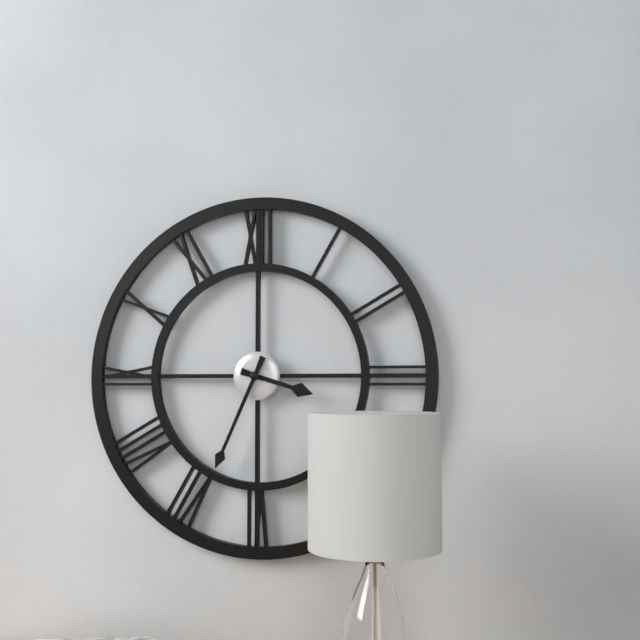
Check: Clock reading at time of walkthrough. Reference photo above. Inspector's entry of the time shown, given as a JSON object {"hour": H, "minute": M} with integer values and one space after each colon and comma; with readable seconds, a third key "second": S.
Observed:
{"hour": 3, "minute": 34}
